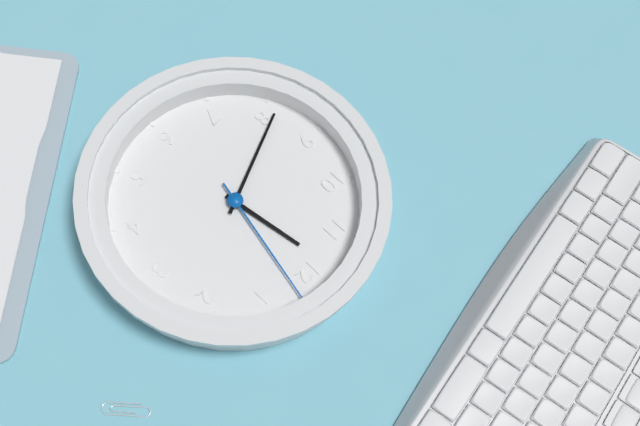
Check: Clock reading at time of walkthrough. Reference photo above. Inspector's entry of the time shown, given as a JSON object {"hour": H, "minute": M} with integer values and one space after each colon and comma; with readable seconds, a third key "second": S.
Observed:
{"hour": 11, "minute": 41, "second": 2}
